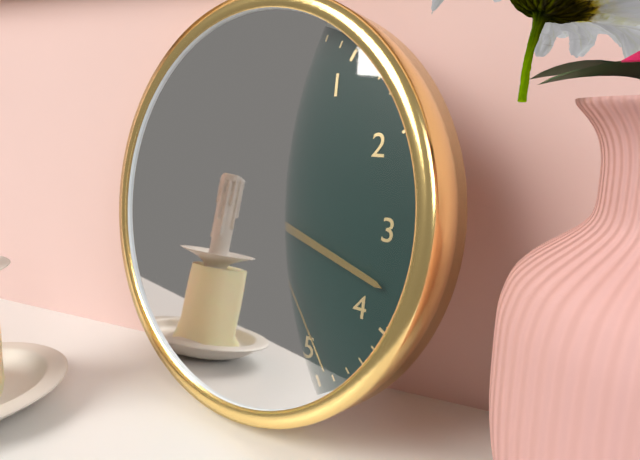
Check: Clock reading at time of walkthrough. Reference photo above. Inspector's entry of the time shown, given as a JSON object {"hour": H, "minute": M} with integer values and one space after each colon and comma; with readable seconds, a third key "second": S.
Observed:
{"hour": 7, "minute": 18, "second": 24}
